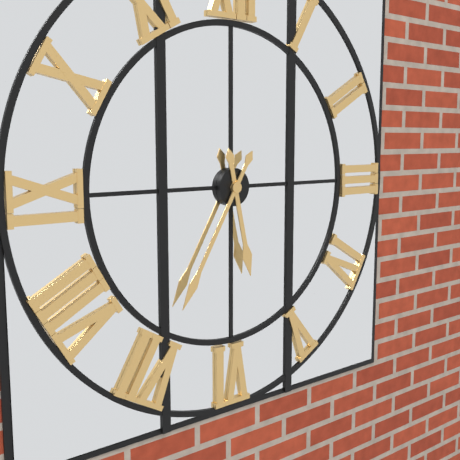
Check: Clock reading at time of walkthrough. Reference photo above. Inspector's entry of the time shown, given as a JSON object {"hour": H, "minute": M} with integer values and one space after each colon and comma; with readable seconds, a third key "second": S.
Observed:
{"hour": 5, "minute": 35}
